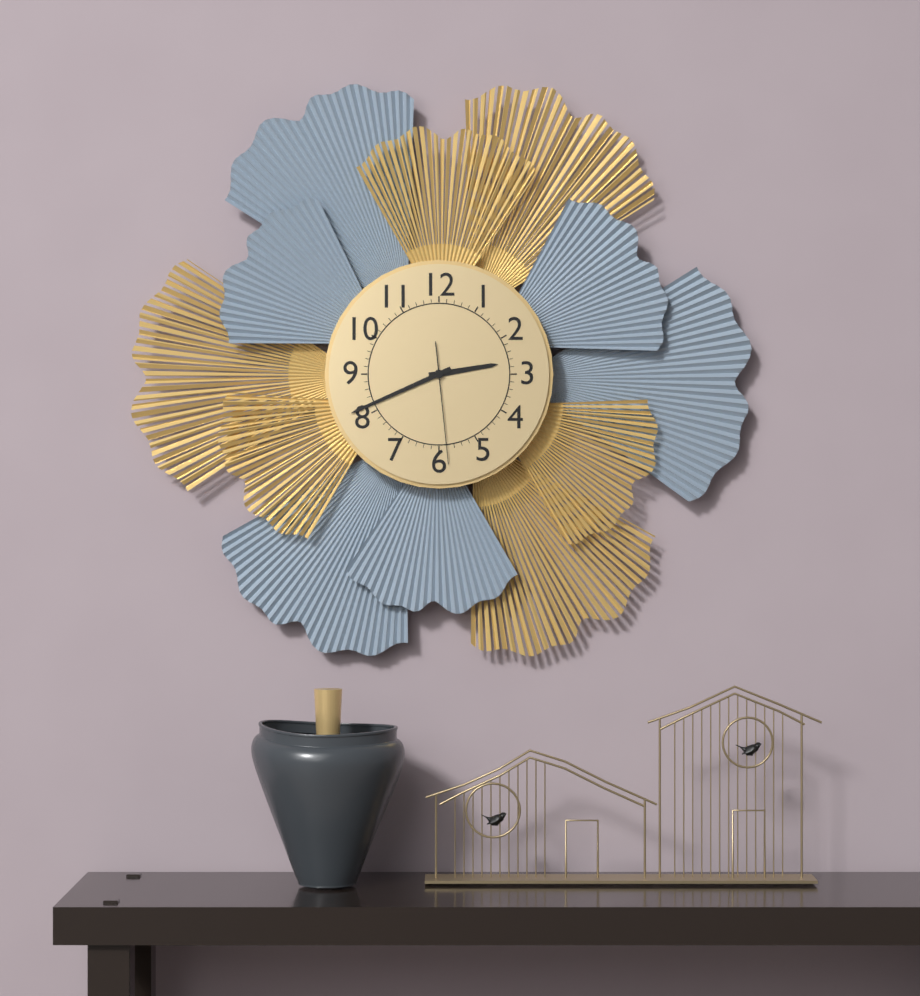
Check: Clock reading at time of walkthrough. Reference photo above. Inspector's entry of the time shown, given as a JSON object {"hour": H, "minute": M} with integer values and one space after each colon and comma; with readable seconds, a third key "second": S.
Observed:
{"hour": 2, "minute": 41, "second": 29}
